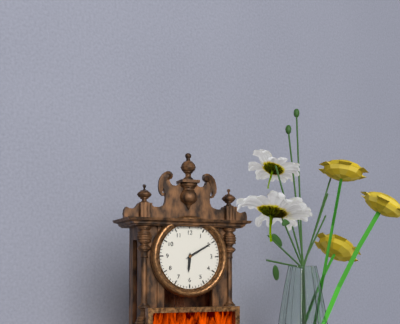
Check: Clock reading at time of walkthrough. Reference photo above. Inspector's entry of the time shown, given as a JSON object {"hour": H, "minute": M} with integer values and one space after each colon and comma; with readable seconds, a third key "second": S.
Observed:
{"hour": 6, "minute": 10}
